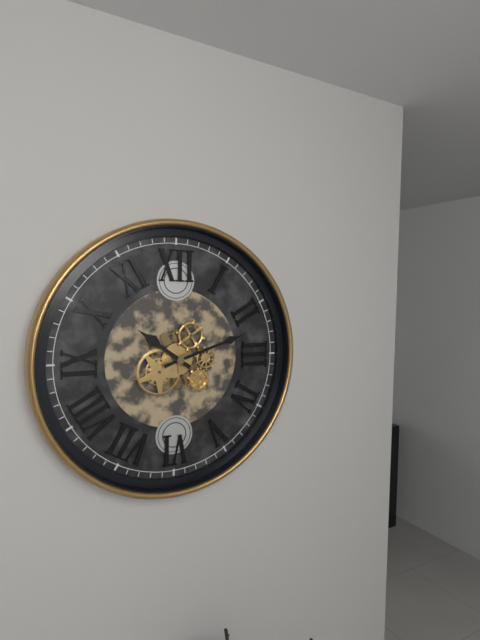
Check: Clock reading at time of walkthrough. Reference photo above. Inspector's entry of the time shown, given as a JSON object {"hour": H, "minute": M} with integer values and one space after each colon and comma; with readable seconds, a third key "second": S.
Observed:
{"hour": 10, "minute": 12}
